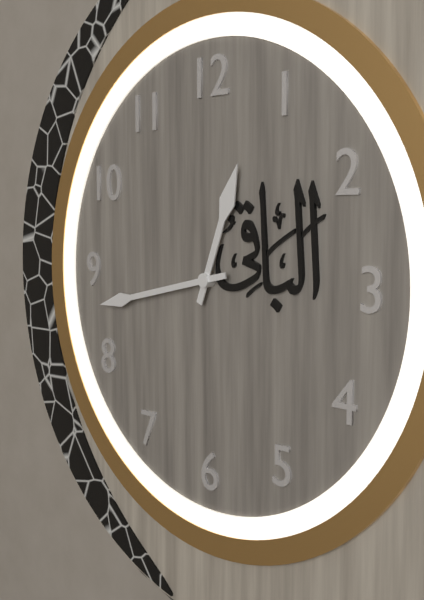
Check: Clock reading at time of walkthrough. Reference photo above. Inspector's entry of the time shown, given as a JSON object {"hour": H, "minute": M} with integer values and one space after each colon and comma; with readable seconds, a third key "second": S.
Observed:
{"hour": 12, "minute": 43}
